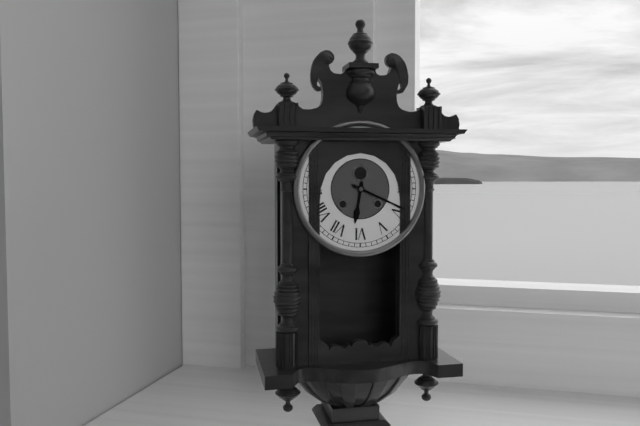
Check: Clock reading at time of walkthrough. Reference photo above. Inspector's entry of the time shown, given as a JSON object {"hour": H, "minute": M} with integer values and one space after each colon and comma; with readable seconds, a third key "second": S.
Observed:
{"hour": 6, "minute": 19}
